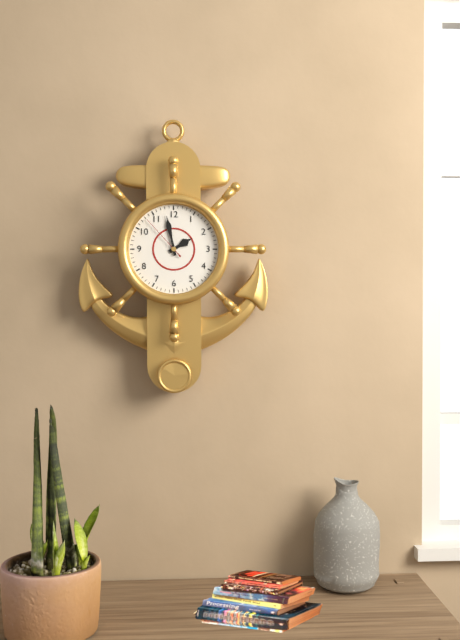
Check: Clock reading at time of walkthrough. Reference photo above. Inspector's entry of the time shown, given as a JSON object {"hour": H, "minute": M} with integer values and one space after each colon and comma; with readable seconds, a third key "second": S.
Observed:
{"hour": 1, "minute": 58, "second": 53}
